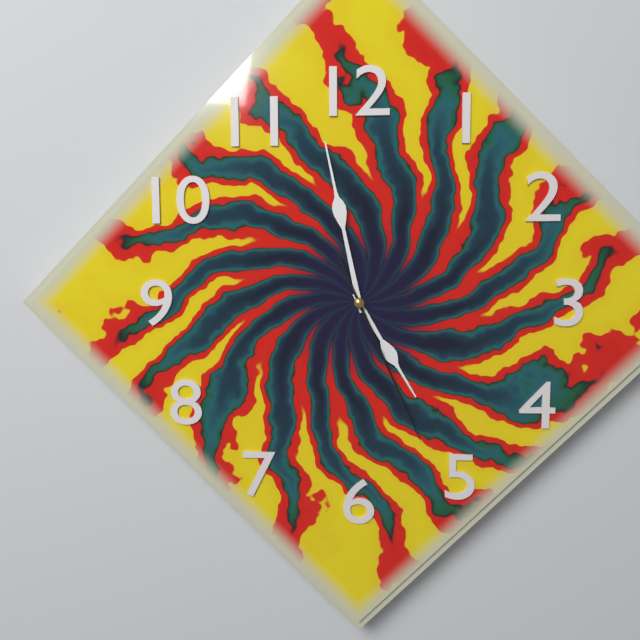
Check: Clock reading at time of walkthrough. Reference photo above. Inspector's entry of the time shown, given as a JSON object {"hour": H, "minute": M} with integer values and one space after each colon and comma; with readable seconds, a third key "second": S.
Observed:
{"hour": 4, "minute": 58, "second": 26}
